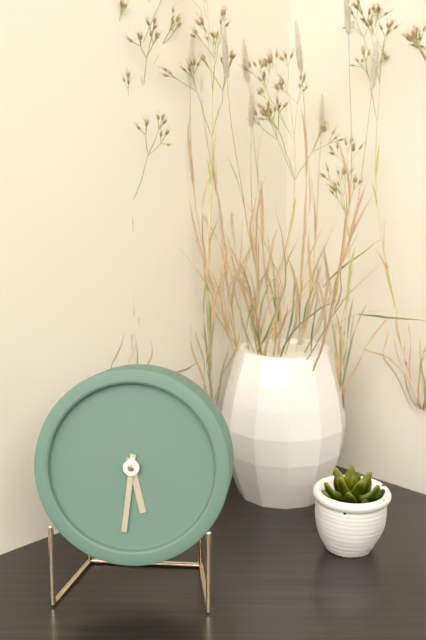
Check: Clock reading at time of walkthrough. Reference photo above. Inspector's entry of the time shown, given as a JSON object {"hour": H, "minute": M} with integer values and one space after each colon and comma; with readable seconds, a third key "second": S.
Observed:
{"hour": 5, "minute": 31}
